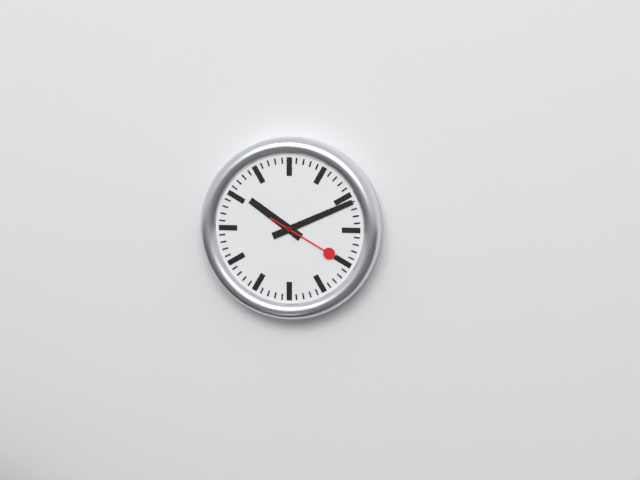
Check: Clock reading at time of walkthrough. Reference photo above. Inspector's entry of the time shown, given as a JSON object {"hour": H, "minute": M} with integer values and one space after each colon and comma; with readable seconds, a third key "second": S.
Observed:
{"hour": 10, "minute": 11, "second": 20}
